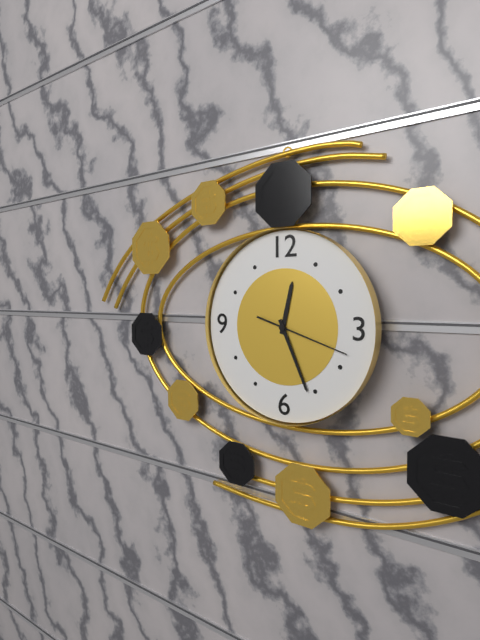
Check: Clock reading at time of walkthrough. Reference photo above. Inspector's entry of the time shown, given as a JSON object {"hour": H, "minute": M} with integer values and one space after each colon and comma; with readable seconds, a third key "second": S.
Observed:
{"hour": 12, "minute": 26, "second": 18}
